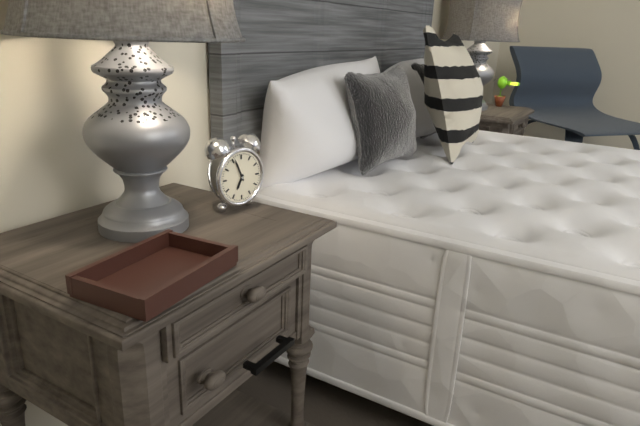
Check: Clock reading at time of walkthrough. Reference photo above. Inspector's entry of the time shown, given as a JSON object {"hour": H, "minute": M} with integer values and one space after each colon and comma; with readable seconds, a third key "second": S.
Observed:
{"hour": 6, "minute": 56}
